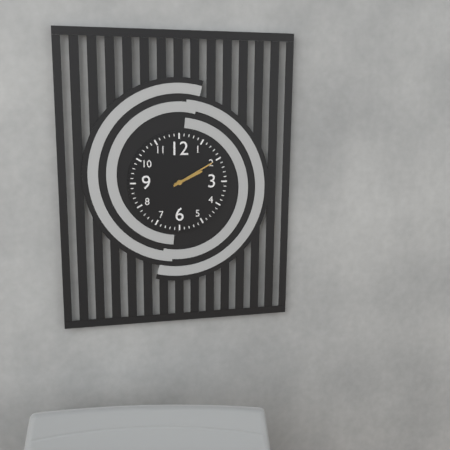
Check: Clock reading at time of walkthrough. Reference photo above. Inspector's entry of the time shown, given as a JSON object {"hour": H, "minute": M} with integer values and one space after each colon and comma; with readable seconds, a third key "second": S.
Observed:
{"hour": 2, "minute": 10}
